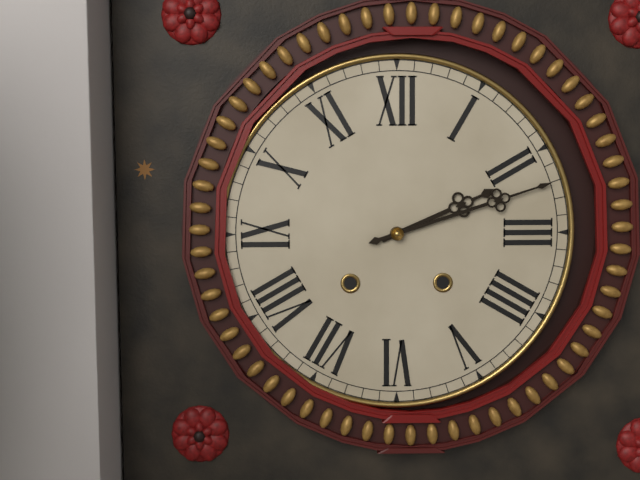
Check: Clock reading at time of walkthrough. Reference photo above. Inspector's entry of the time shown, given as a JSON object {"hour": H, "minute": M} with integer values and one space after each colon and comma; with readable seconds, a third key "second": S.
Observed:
{"hour": 2, "minute": 12}
